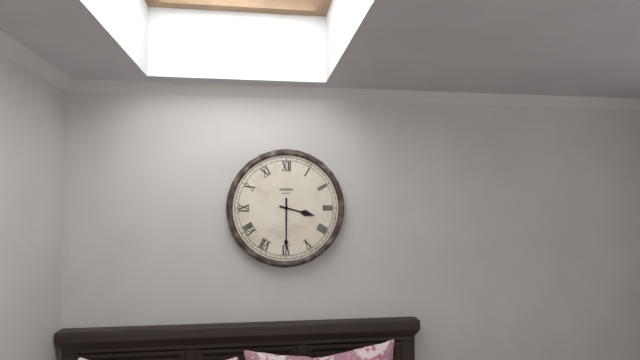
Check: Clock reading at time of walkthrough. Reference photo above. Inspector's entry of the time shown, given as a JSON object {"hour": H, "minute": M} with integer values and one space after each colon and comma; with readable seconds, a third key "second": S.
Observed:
{"hour": 3, "minute": 30}
